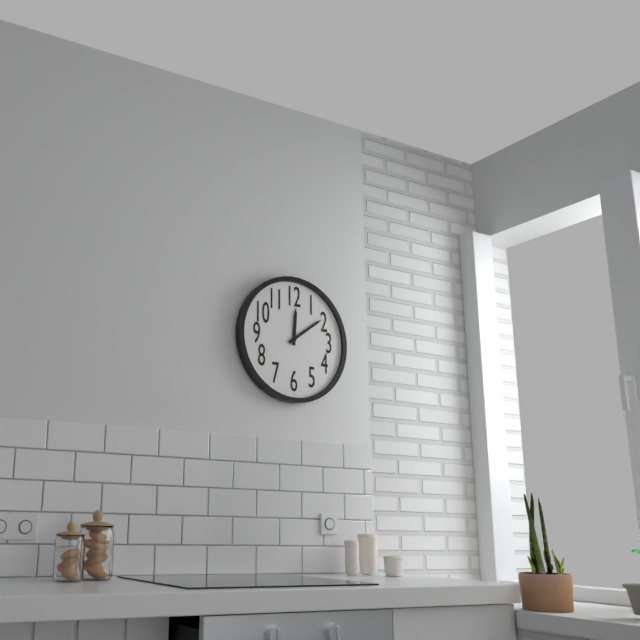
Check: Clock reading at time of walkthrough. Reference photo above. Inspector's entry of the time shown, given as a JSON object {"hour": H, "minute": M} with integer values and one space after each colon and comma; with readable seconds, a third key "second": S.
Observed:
{"hour": 12, "minute": 9}
